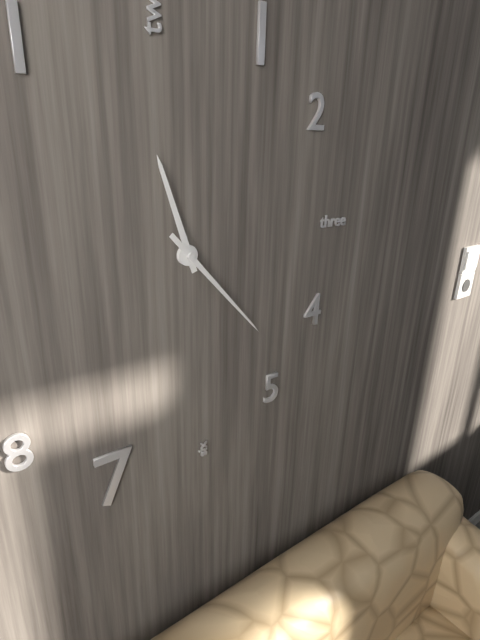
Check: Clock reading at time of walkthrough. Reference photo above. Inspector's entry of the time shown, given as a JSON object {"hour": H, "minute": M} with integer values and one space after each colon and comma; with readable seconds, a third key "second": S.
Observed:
{"hour": 11, "minute": 23}
